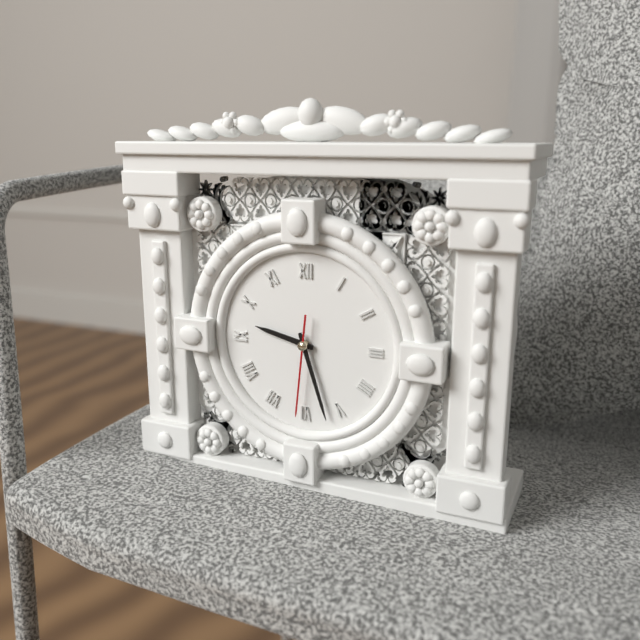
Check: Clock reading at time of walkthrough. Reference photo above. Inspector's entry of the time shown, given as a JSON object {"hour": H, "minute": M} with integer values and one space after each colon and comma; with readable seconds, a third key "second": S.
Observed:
{"hour": 9, "minute": 27, "second": 31}
